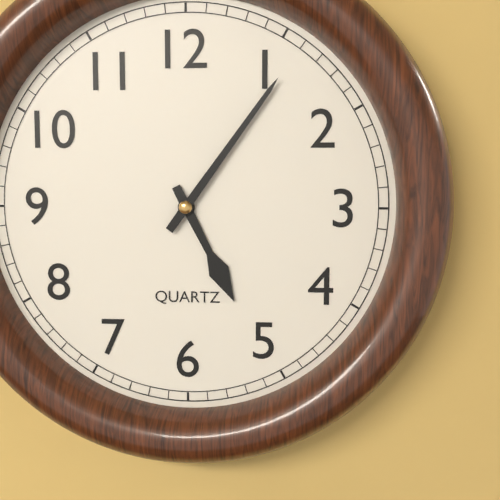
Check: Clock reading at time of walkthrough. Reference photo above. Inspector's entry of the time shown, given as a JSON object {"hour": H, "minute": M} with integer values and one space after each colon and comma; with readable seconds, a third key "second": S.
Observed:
{"hour": 5, "minute": 6}
